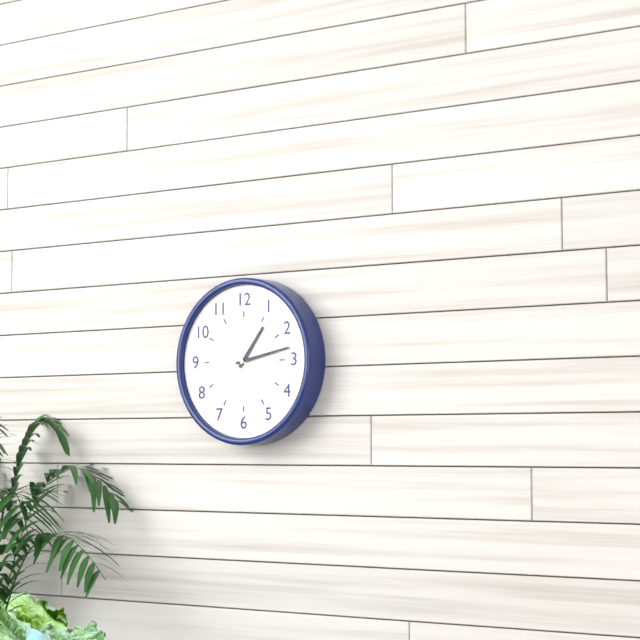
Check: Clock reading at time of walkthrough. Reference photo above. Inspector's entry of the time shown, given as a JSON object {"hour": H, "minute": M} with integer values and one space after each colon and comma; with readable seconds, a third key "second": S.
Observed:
{"hour": 1, "minute": 13, "second": 19}
